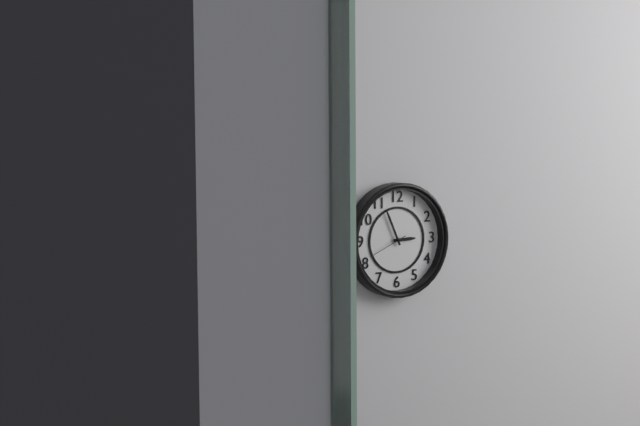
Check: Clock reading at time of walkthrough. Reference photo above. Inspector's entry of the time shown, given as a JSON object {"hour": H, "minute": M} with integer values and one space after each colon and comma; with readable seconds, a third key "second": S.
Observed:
{"hour": 2, "minute": 56}
